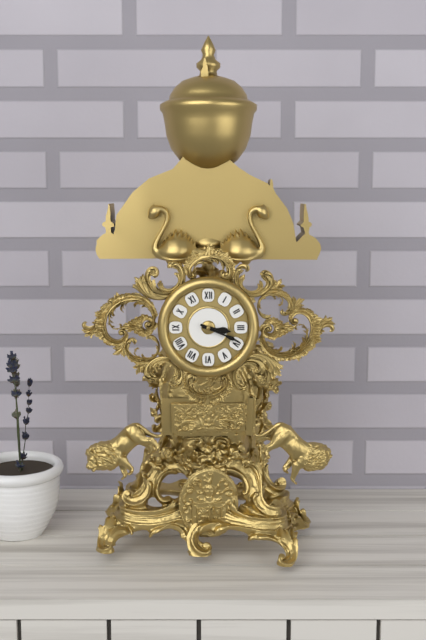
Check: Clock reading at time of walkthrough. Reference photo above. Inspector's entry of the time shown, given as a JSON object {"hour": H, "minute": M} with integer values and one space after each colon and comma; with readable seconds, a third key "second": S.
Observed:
{"hour": 3, "minute": 19}
